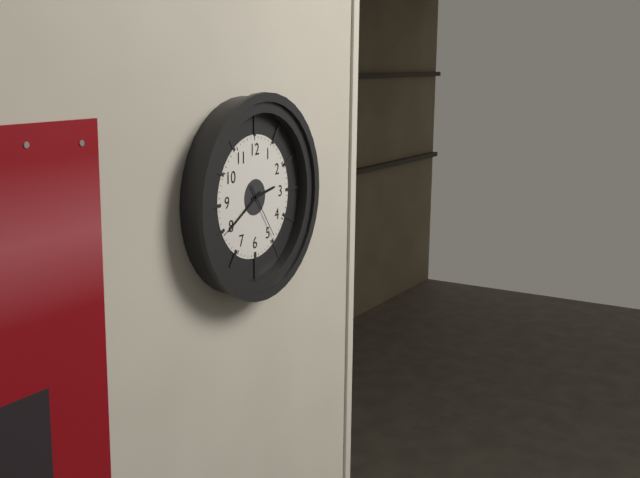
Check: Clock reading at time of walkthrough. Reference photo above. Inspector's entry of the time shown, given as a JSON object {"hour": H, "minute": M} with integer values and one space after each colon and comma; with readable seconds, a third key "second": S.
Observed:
{"hour": 2, "minute": 40, "second": 24}
